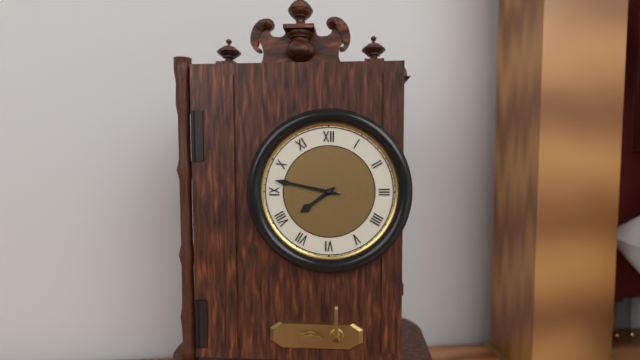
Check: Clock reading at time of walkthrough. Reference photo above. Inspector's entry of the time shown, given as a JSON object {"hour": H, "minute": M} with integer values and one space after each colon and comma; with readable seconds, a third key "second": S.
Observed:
{"hour": 7, "minute": 47}
